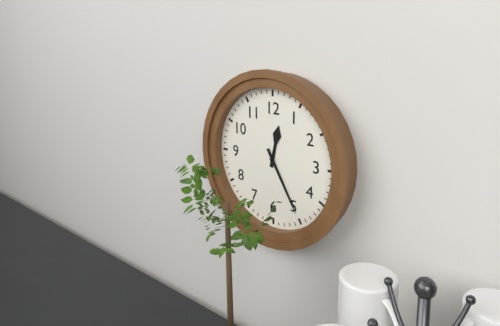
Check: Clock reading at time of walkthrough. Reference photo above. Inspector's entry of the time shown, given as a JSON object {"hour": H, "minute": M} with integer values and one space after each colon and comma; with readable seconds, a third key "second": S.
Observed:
{"hour": 12, "minute": 25}
